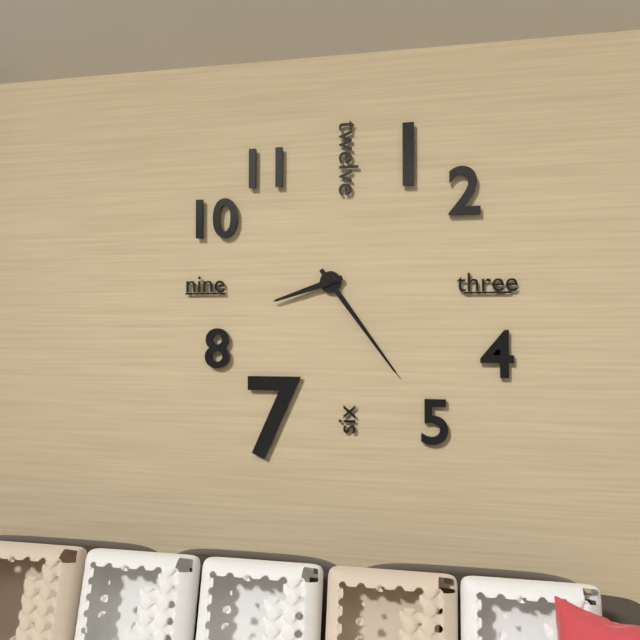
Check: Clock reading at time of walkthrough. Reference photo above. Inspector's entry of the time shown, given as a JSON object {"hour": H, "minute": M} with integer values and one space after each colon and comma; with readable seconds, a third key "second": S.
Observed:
{"hour": 8, "minute": 24}
